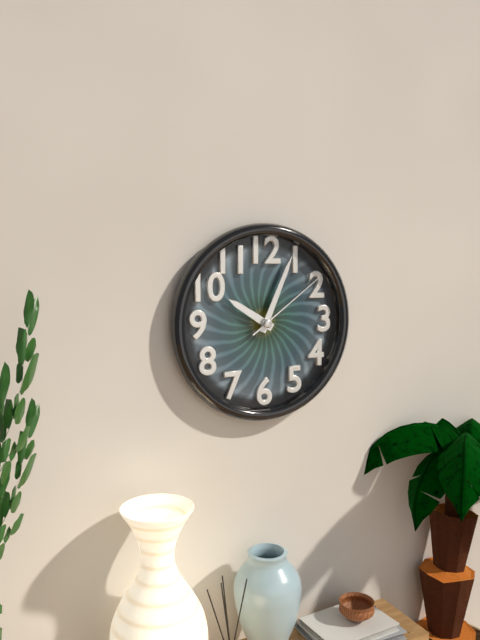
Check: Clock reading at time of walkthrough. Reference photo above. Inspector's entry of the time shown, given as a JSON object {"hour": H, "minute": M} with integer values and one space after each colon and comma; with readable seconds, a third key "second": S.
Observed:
{"hour": 10, "minute": 4, "second": 9}
